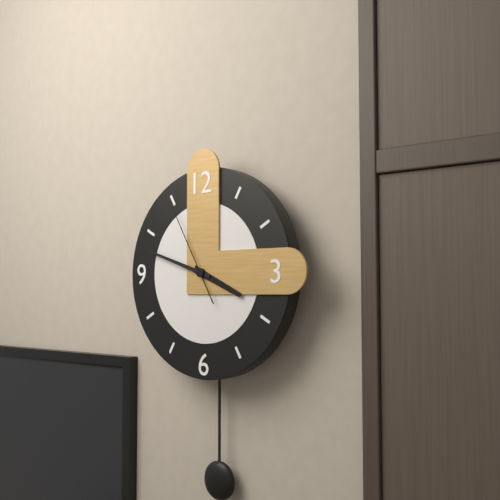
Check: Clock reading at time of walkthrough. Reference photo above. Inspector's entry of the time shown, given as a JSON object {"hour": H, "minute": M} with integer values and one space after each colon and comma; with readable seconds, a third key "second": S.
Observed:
{"hour": 3, "minute": 48, "second": 55}
